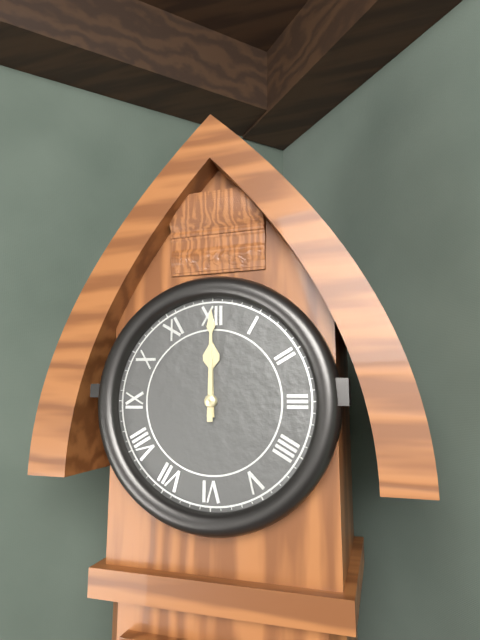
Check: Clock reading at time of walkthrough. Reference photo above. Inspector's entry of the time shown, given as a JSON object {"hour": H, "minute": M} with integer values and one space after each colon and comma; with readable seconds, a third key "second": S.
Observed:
{"hour": 12, "minute": 0}
